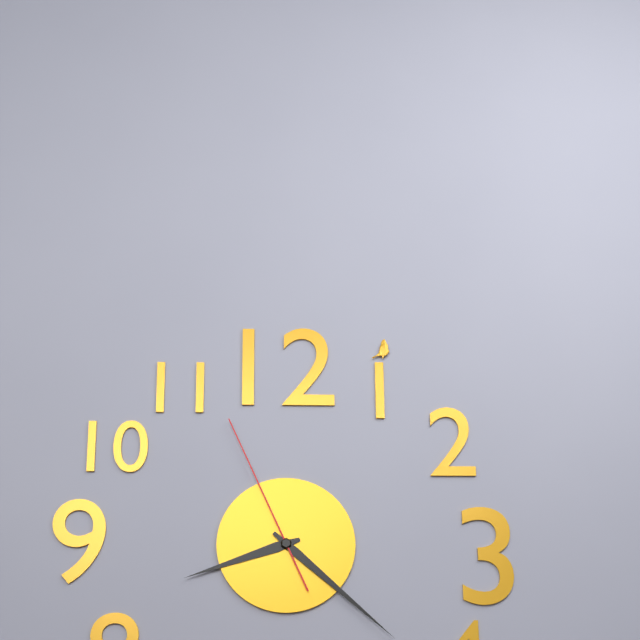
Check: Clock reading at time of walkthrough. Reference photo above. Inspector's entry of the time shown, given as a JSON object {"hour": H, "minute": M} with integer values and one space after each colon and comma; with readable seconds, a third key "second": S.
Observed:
{"hour": 8, "minute": 22, "second": 56}
